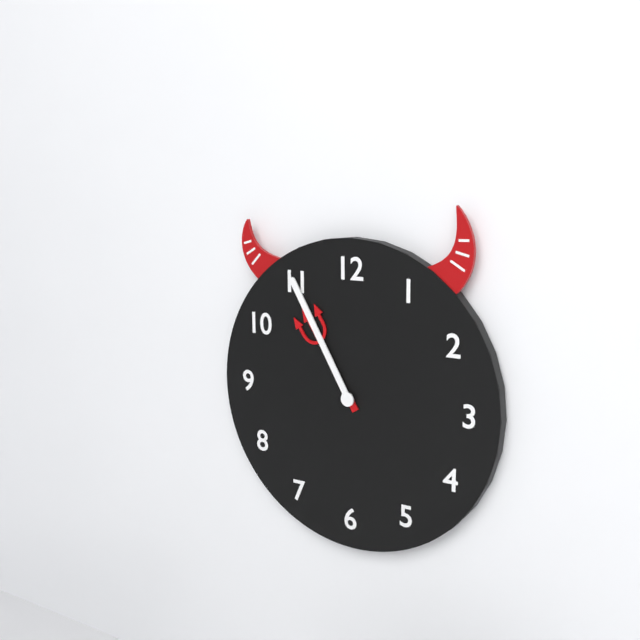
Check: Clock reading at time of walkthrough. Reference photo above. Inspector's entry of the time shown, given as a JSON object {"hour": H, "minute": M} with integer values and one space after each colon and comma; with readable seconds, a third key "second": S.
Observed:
{"hour": 10, "minute": 55}
